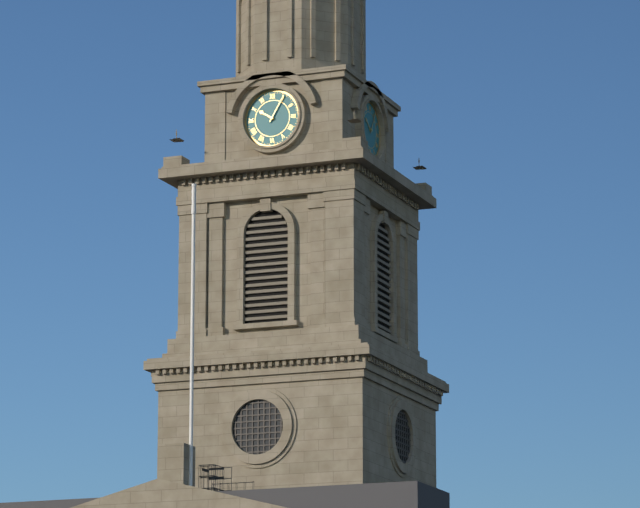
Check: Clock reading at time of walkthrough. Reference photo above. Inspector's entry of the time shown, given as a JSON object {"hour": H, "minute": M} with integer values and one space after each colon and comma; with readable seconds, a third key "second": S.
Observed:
{"hour": 10, "minute": 5}
